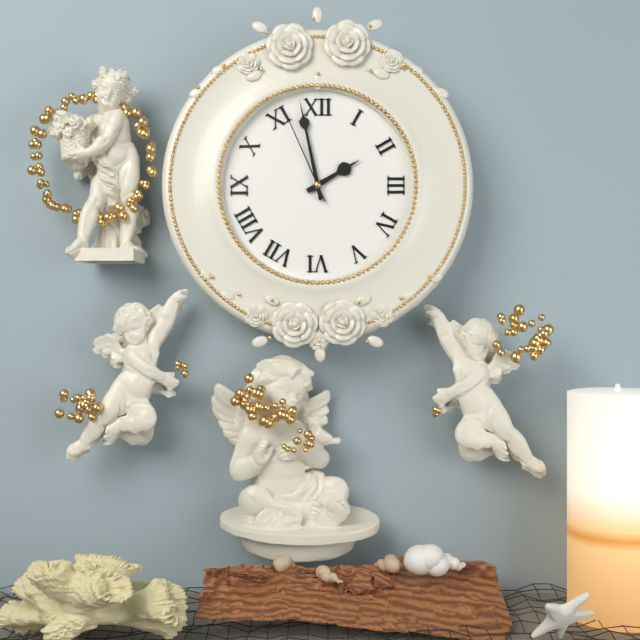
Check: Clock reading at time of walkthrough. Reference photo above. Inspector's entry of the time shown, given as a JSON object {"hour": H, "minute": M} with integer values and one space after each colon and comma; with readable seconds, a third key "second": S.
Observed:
{"hour": 1, "minute": 58, "second": 56}
